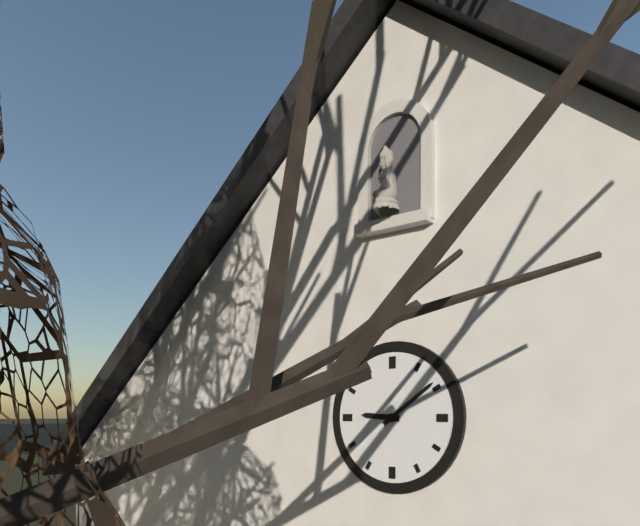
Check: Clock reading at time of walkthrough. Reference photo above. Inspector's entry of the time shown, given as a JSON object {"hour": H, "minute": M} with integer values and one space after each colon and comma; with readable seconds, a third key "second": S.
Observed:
{"hour": 9, "minute": 9}
